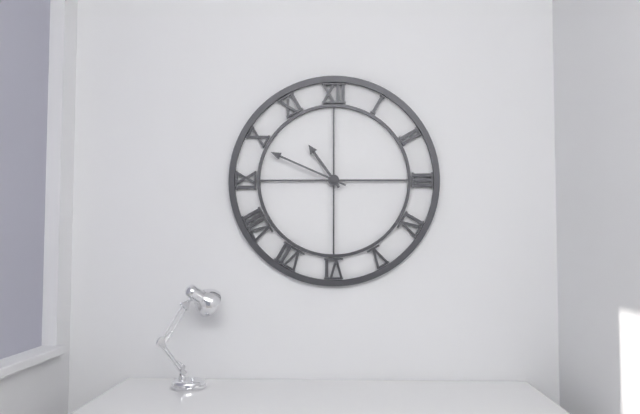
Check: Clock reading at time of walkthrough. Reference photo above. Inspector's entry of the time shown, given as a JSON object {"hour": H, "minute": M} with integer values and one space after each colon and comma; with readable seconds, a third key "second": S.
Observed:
{"hour": 10, "minute": 49}
